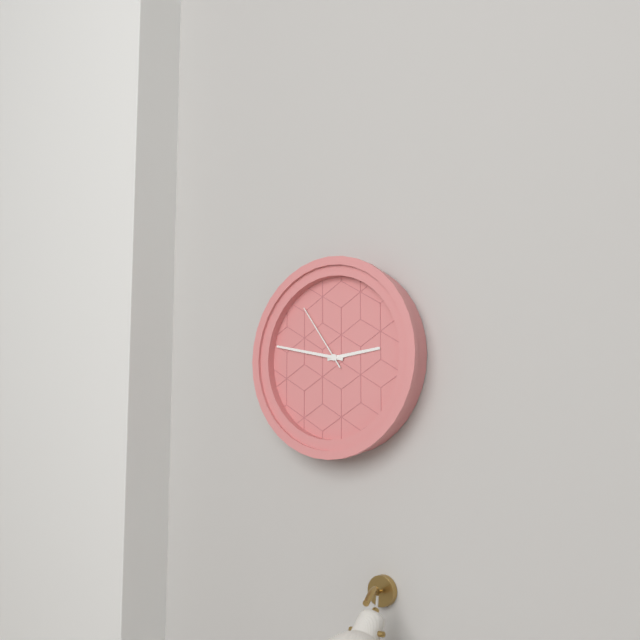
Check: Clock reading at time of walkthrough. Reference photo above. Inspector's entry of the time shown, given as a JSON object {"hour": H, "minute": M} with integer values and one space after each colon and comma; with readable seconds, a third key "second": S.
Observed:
{"hour": 2, "minute": 47, "second": 54}
